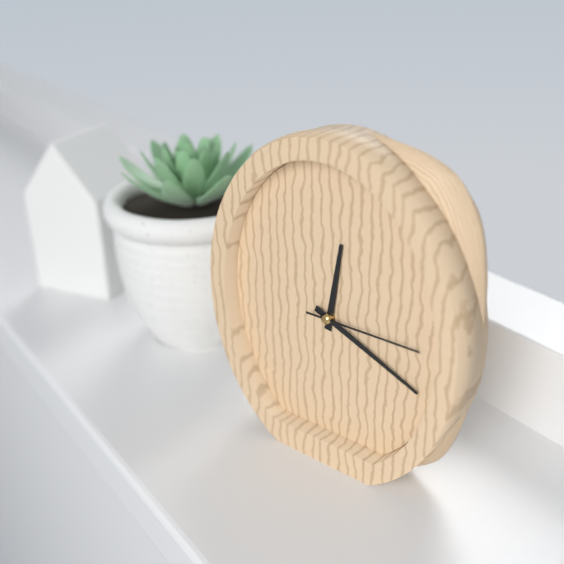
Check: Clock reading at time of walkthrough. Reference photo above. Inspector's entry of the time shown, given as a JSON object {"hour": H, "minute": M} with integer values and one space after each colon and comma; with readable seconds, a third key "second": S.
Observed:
{"hour": 12, "minute": 19, "second": 15}
